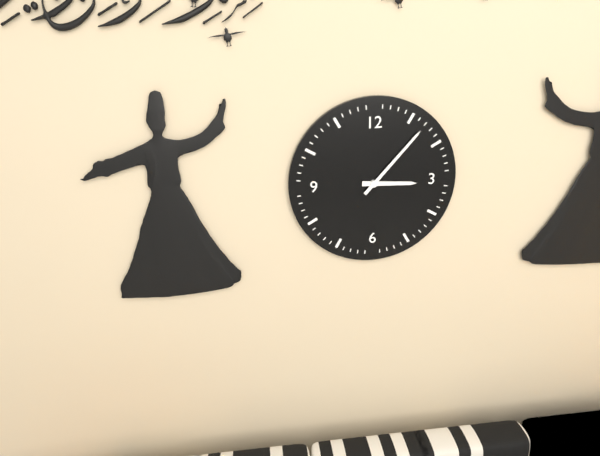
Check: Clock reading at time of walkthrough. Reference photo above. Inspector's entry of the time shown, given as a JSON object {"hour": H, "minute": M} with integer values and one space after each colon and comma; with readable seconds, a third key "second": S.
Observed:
{"hour": 3, "minute": 7}
